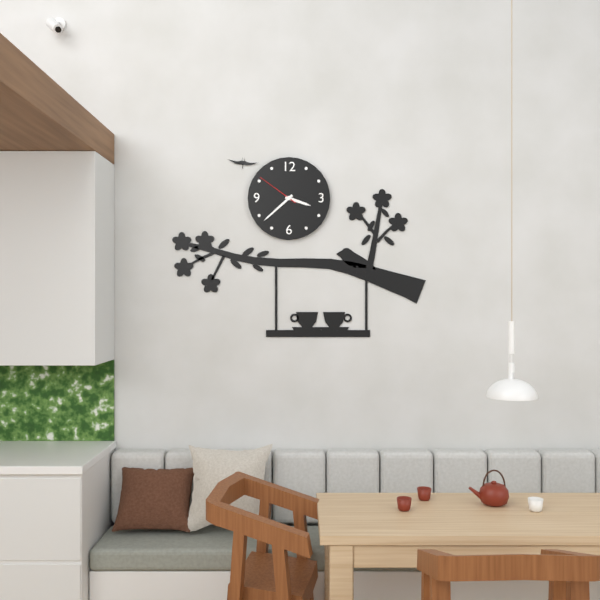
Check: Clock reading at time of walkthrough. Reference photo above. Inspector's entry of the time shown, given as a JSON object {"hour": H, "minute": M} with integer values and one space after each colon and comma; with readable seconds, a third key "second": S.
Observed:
{"hour": 3, "minute": 38}
